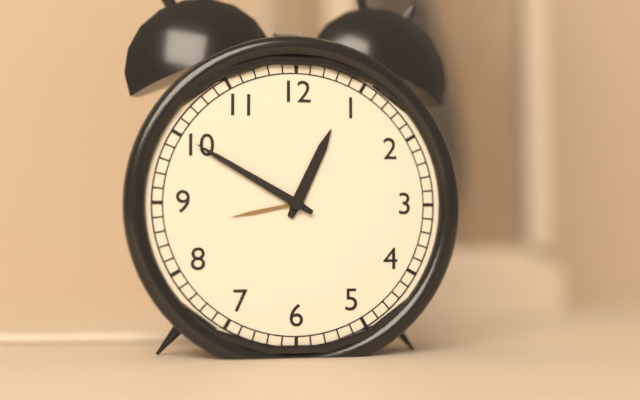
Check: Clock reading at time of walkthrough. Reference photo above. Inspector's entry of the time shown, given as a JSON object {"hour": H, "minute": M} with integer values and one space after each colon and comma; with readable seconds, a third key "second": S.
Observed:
{"hour": 12, "minute": 50}
